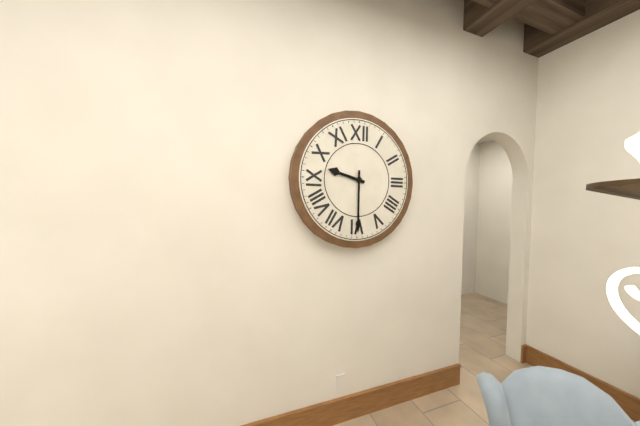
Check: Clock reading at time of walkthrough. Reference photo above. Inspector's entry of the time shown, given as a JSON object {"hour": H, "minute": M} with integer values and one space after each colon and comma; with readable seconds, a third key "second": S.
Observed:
{"hour": 9, "minute": 30}
